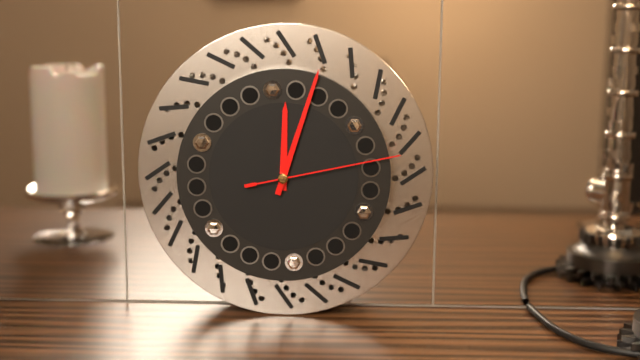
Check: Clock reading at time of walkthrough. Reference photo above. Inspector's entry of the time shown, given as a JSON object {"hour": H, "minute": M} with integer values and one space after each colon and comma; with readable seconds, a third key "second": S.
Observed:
{"hour": 12, "minute": 3, "second": 13}
